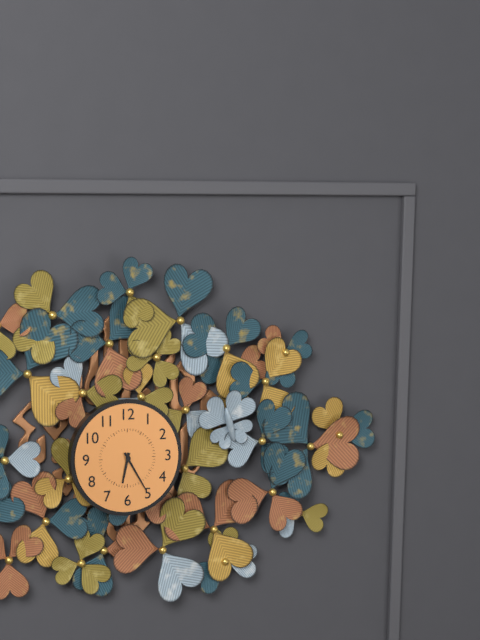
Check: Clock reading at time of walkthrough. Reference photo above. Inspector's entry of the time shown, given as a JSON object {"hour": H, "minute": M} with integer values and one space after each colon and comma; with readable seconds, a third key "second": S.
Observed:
{"hour": 6, "minute": 25}
